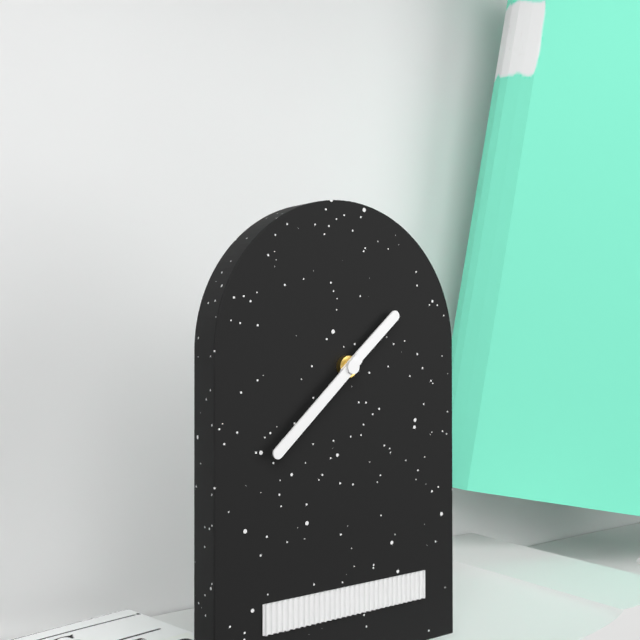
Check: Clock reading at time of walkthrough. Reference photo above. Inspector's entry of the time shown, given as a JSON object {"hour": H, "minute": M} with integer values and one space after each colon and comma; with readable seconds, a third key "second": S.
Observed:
{"hour": 1, "minute": 38}
